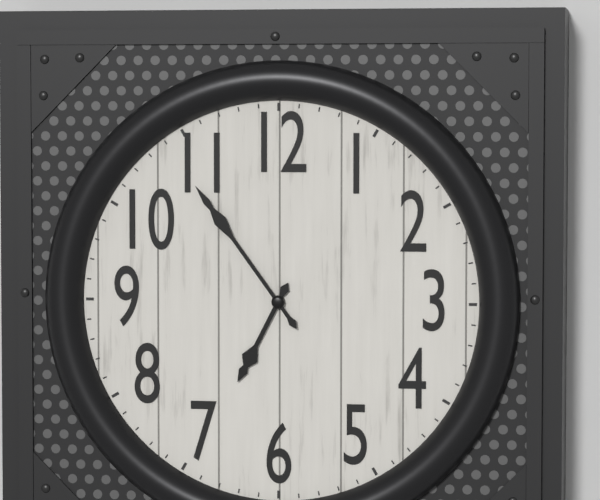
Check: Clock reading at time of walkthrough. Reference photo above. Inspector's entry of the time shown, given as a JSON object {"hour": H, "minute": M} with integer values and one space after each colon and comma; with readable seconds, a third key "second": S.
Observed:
{"hour": 6, "minute": 54}
